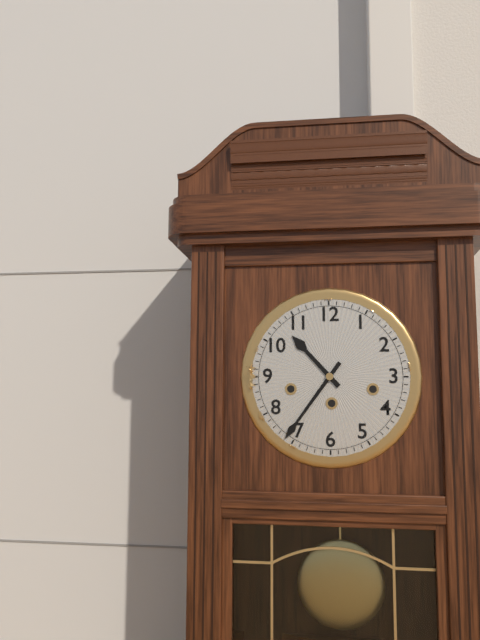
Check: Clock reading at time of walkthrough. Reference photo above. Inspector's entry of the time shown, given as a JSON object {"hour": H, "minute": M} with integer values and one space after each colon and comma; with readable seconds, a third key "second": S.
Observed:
{"hour": 10, "minute": 36}
